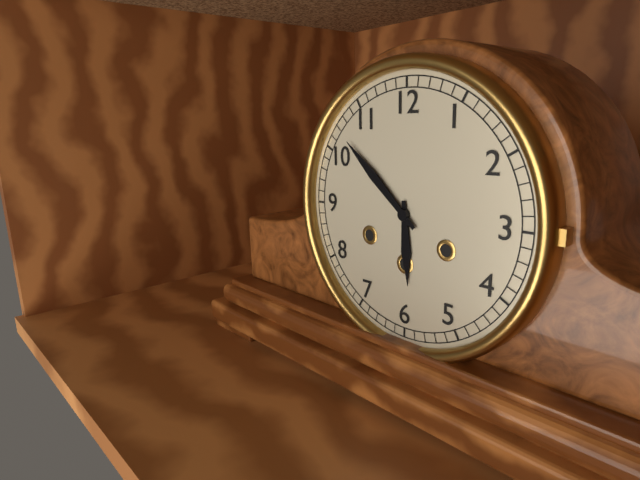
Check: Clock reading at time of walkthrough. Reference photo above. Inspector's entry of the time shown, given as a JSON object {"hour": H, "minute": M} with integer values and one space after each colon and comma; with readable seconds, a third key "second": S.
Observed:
{"hour": 5, "minute": 52}
